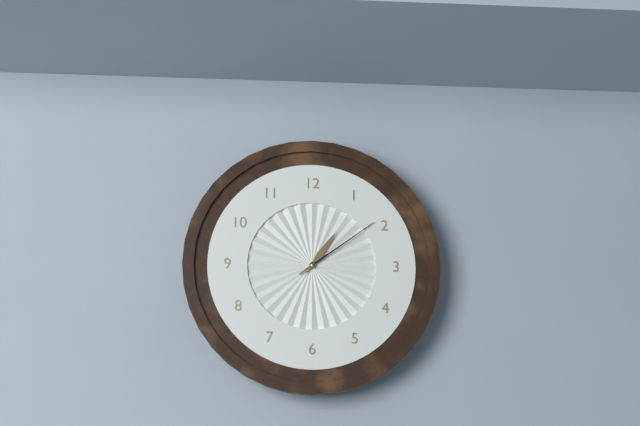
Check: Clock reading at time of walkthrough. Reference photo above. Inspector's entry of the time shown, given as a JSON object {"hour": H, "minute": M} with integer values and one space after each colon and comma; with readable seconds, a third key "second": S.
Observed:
{"hour": 1, "minute": 9}
